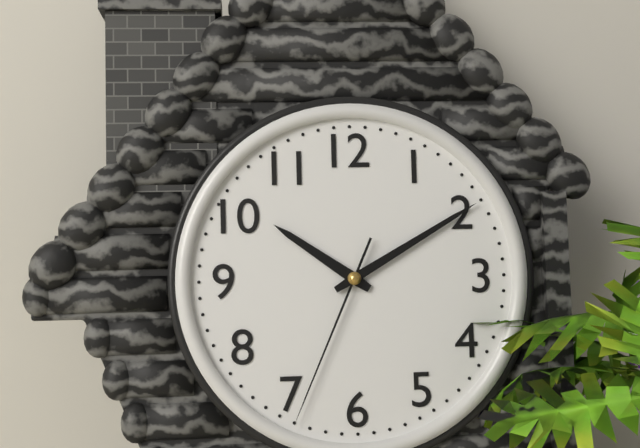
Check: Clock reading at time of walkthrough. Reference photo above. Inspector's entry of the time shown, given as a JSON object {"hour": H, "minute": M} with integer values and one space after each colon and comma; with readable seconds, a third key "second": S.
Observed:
{"hour": 10, "minute": 10, "second": 34}
